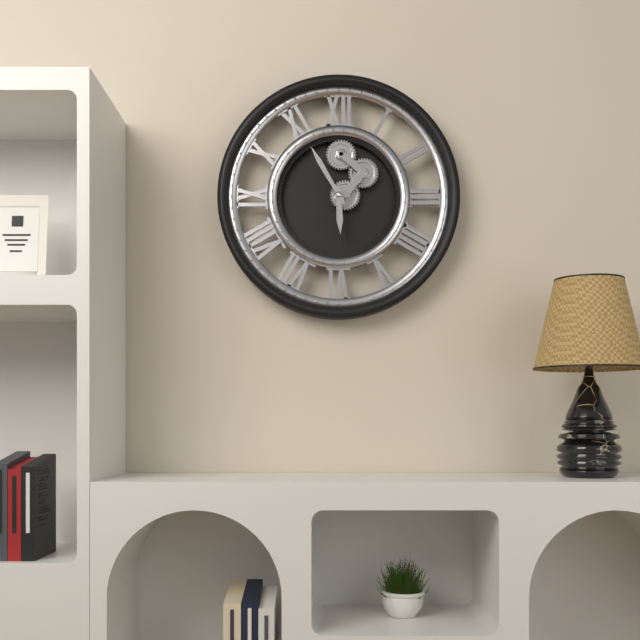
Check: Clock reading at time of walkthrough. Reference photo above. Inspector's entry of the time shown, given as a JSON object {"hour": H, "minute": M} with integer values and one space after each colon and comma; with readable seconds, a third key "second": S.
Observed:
{"hour": 5, "minute": 55}
